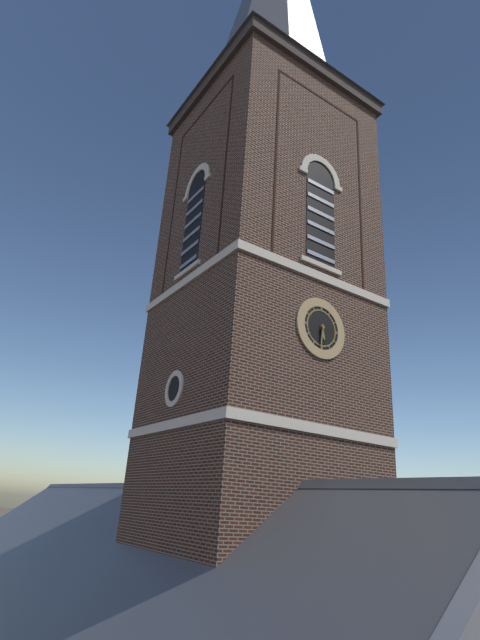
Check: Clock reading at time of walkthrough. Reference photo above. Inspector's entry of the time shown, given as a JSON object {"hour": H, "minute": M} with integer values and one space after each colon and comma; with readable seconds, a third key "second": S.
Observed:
{"hour": 5, "minute": 31}
